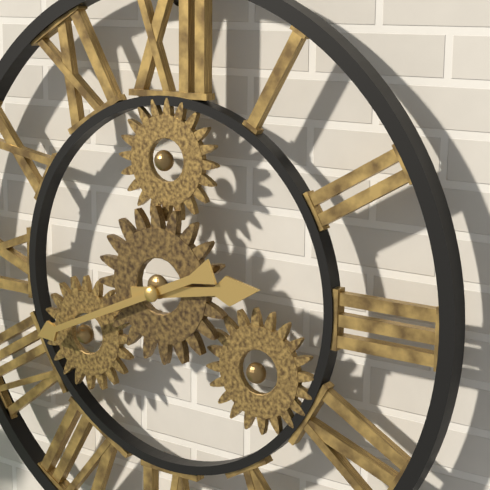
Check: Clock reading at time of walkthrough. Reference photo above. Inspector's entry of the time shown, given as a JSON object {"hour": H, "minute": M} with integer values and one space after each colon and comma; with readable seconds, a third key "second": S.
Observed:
{"hour": 2, "minute": 41}
